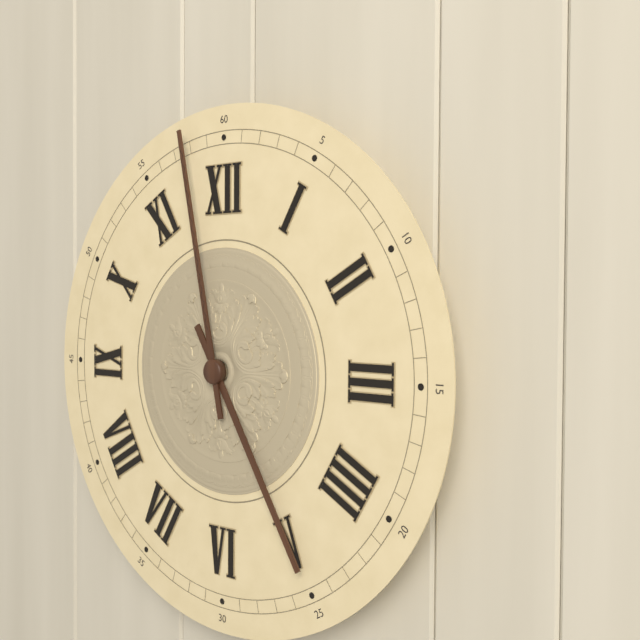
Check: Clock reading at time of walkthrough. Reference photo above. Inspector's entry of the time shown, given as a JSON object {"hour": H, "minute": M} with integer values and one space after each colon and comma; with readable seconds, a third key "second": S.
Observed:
{"hour": 4, "minute": 58}
